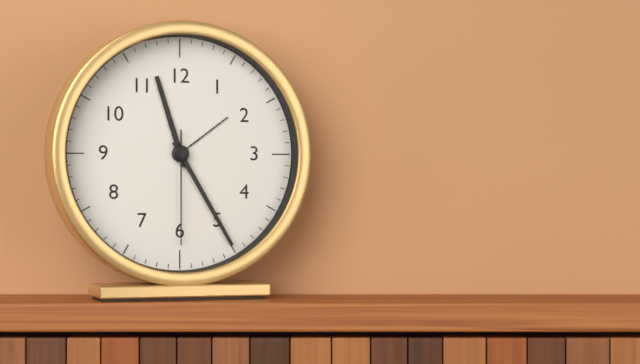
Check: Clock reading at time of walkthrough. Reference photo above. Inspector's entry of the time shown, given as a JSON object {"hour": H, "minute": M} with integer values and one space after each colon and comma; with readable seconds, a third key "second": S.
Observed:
{"hour": 11, "minute": 25, "second": 30}
